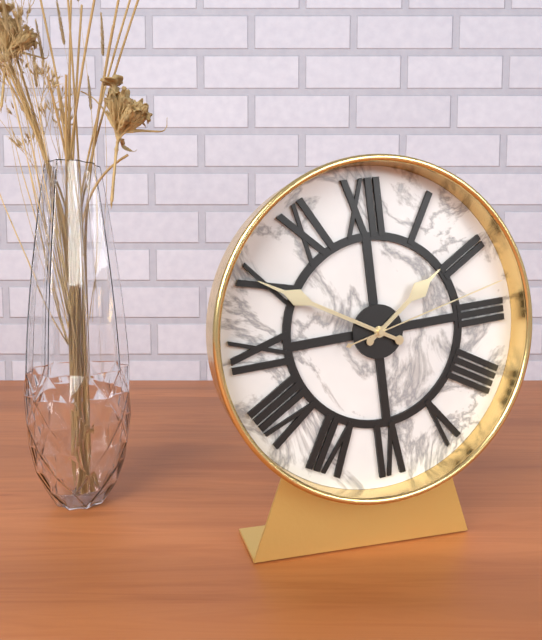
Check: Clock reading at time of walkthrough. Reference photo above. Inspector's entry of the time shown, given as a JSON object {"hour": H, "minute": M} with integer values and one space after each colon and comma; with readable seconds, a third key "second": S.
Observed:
{"hour": 1, "minute": 50, "second": 13}
